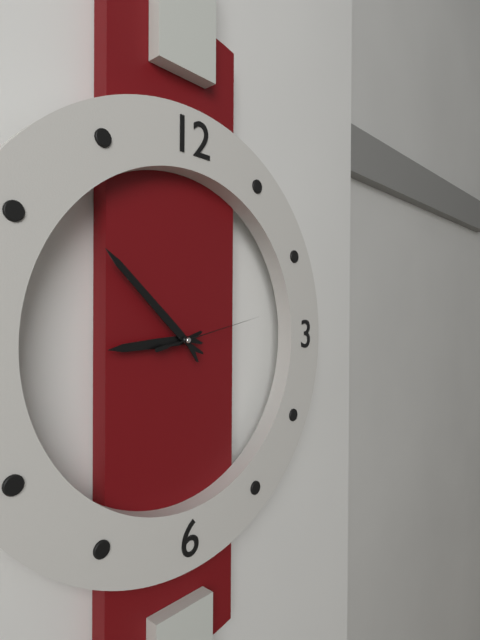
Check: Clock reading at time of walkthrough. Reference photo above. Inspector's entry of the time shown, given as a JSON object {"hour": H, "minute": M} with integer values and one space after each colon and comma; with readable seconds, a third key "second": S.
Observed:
{"hour": 8, "minute": 52, "second": 13}
